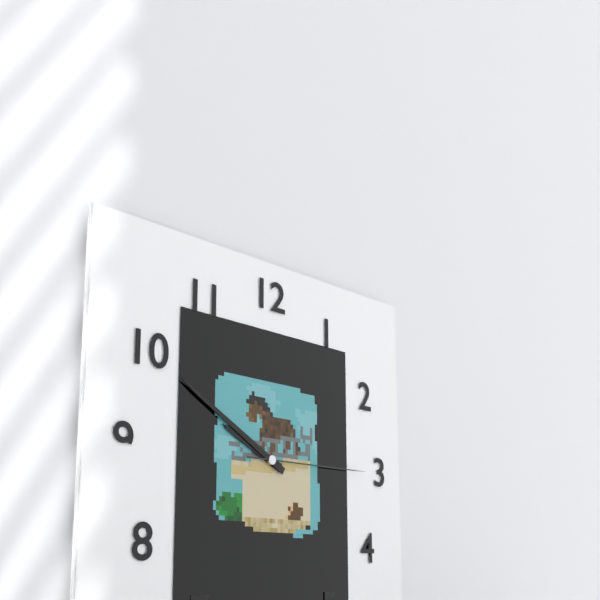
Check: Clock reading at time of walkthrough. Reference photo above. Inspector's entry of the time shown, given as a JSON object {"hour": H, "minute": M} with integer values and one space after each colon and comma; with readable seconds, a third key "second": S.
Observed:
{"hour": 9, "minute": 50, "second": 15}
